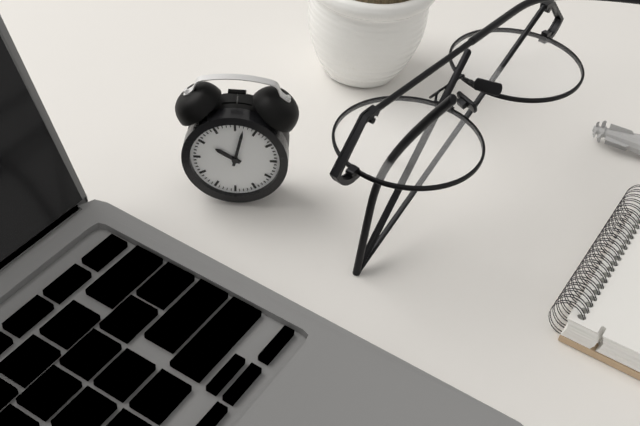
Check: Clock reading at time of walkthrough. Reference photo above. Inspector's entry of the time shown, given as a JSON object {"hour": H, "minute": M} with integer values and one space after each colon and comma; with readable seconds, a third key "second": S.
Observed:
{"hour": 10, "minute": 2}
